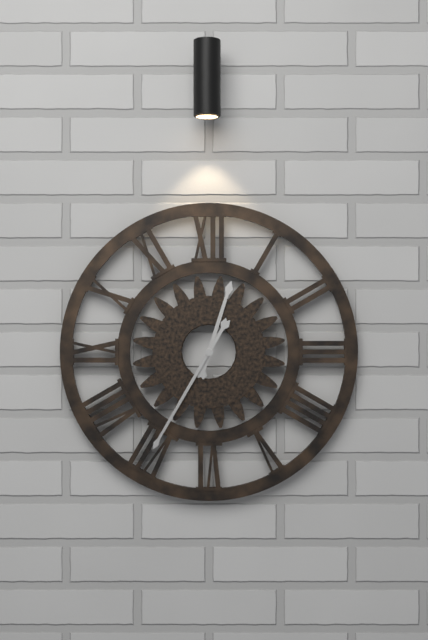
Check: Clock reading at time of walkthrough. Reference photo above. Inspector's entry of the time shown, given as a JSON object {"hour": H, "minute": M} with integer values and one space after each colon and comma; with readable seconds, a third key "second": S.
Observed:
{"hour": 12, "minute": 35}
